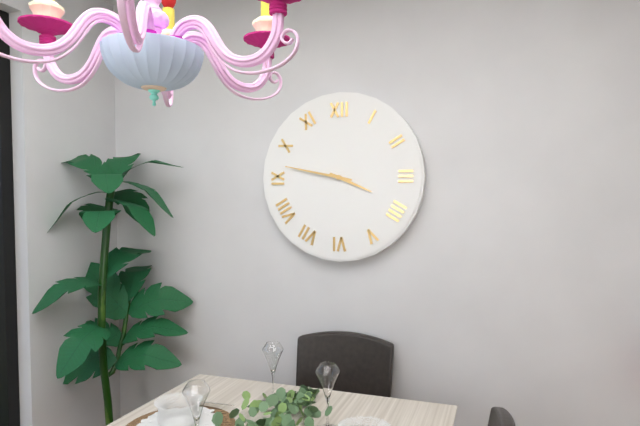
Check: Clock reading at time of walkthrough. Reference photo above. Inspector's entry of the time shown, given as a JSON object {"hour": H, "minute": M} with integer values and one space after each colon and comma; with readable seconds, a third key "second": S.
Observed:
{"hour": 3, "minute": 47}
